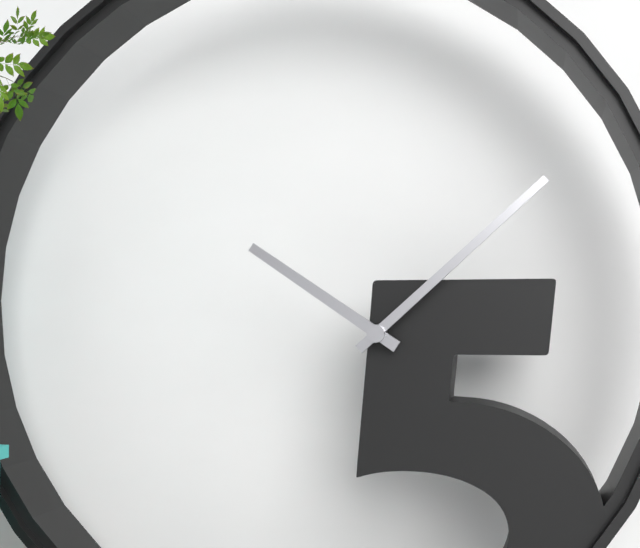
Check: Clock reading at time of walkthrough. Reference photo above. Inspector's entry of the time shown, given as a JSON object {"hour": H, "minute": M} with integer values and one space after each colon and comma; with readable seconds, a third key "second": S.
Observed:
{"hour": 10, "minute": 8}
